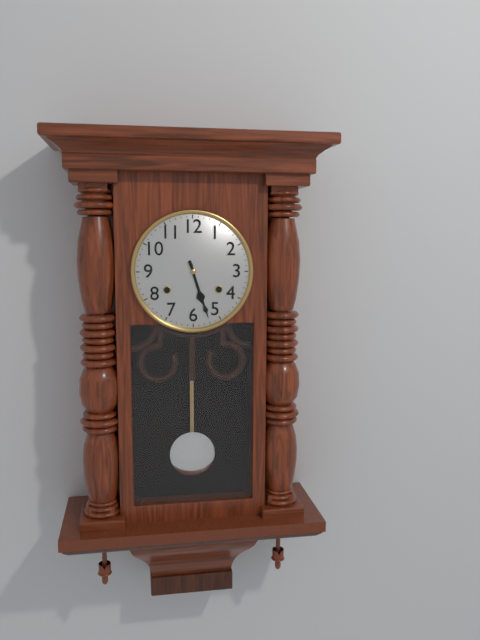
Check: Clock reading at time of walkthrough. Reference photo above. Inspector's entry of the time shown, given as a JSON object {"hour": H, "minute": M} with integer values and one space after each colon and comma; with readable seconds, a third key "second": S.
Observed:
{"hour": 5, "minute": 27}
